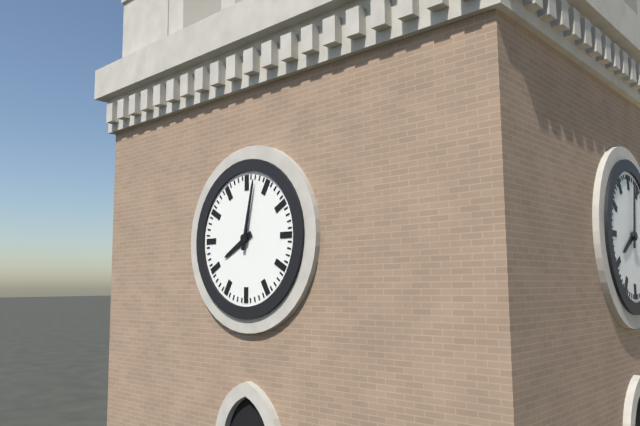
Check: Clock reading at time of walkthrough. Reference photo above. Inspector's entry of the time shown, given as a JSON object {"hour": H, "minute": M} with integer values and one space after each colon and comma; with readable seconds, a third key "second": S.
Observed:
{"hour": 8, "minute": 2}
